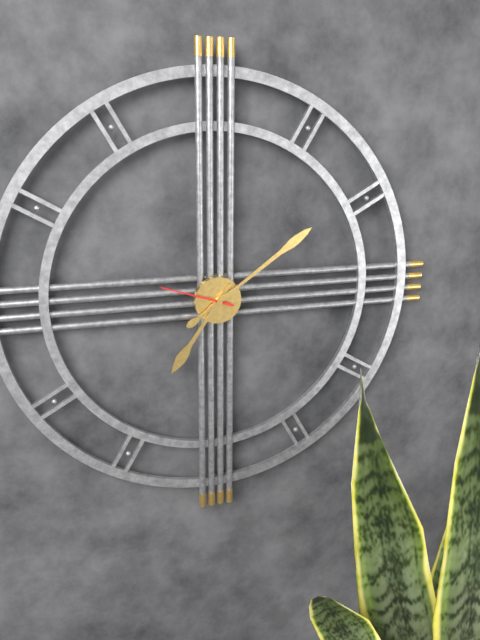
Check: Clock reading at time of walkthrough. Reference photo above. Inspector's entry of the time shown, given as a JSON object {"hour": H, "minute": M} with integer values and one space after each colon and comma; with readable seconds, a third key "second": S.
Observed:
{"hour": 7, "minute": 9, "second": 48}
